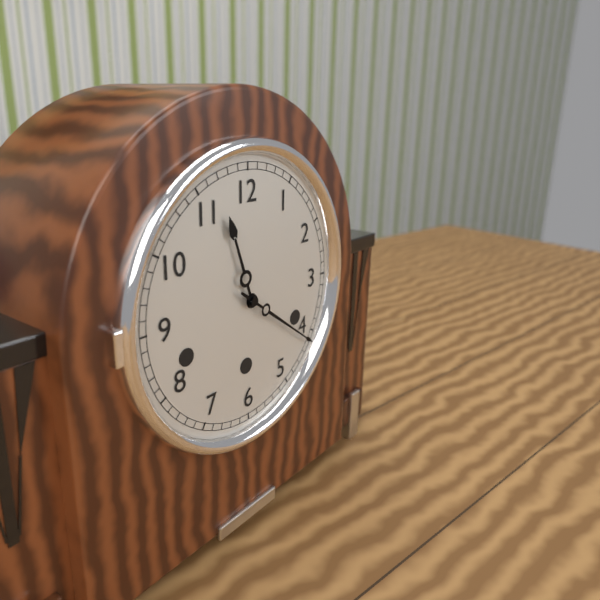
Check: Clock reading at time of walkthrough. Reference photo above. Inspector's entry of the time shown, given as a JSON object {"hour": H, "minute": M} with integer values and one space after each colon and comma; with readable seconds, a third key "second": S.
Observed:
{"hour": 11, "minute": 21}
